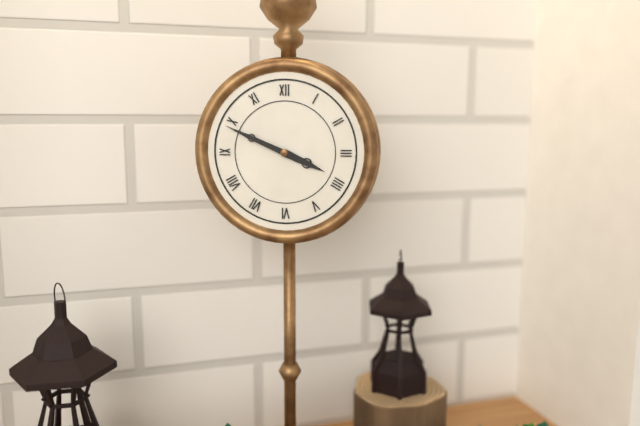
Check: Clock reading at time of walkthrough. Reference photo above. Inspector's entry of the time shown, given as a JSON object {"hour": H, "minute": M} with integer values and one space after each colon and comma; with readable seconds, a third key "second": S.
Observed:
{"hour": 3, "minute": 49}
